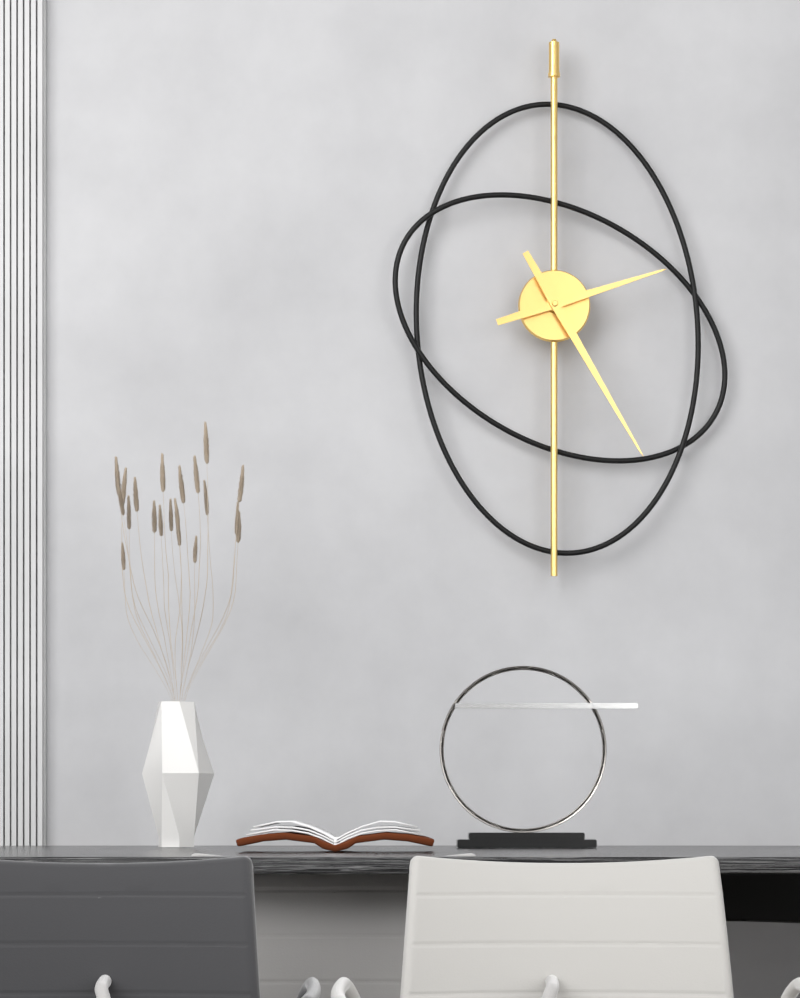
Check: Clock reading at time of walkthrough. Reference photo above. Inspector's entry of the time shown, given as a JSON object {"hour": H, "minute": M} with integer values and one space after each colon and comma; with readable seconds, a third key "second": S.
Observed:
{"hour": 2, "minute": 25}
